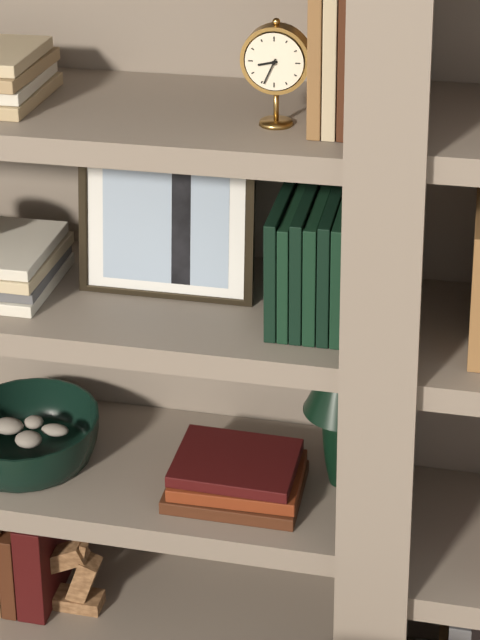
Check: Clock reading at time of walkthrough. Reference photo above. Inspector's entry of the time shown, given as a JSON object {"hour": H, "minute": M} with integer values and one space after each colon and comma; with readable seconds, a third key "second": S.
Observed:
{"hour": 8, "minute": 34}
